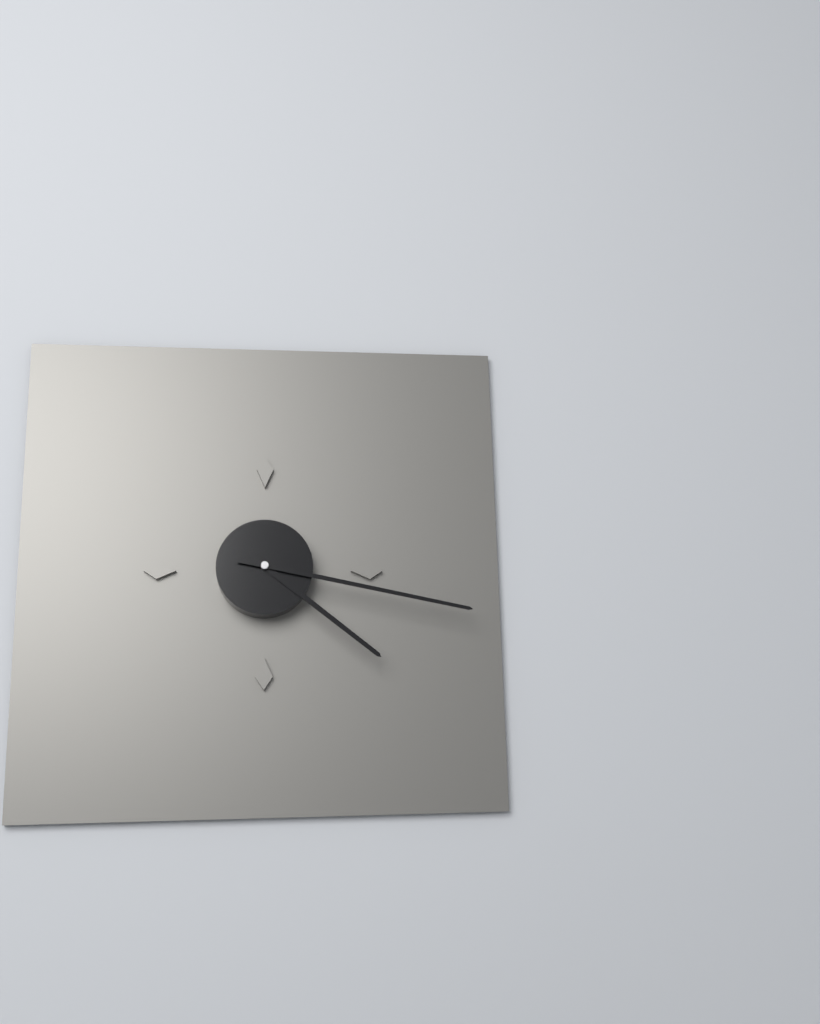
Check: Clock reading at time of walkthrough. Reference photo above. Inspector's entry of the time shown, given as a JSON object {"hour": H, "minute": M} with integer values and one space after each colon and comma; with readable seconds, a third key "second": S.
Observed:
{"hour": 4, "minute": 17}
